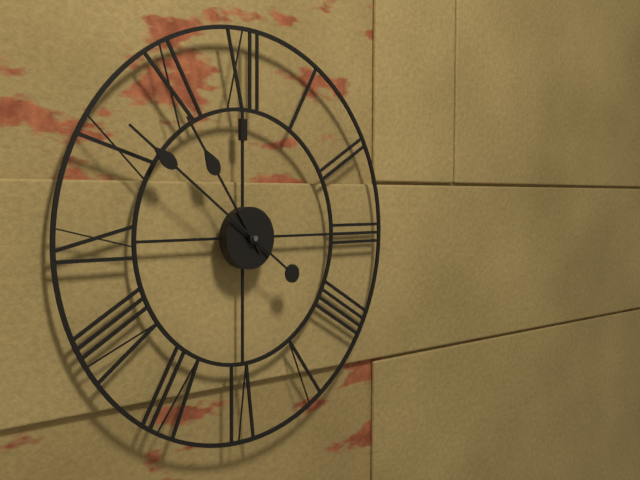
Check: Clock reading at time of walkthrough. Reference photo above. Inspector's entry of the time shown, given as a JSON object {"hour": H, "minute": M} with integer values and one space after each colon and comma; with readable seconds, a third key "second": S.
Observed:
{"hour": 10, "minute": 51}
